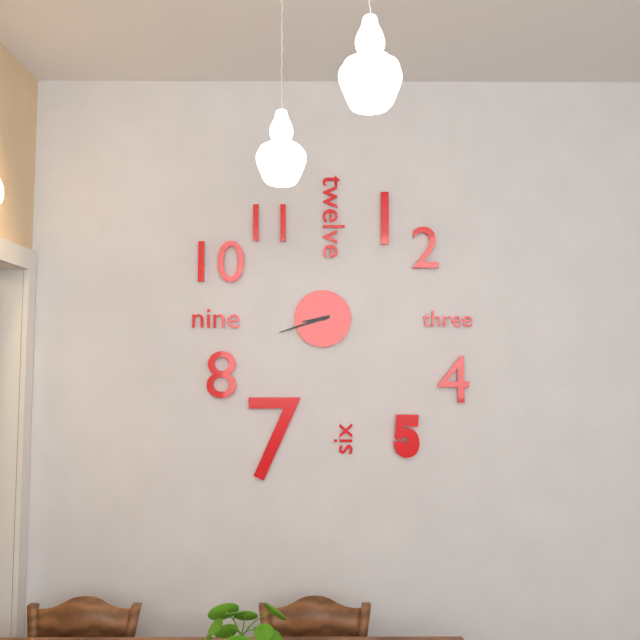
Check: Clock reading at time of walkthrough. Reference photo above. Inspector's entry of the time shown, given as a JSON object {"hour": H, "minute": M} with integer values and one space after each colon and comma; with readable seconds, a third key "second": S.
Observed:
{"hour": 8, "minute": 42}
